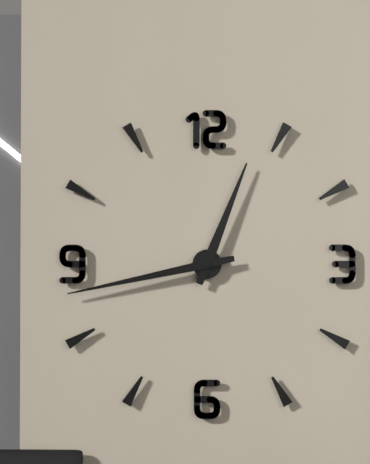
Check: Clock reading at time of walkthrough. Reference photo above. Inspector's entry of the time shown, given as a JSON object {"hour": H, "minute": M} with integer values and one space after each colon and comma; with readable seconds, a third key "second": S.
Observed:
{"hour": 12, "minute": 43}
